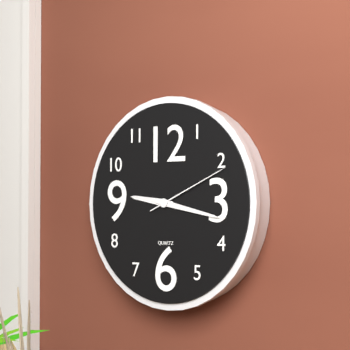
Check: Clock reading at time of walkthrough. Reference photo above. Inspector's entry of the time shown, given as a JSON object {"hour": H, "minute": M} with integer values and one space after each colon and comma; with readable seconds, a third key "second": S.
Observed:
{"hour": 9, "minute": 17, "second": 11}
